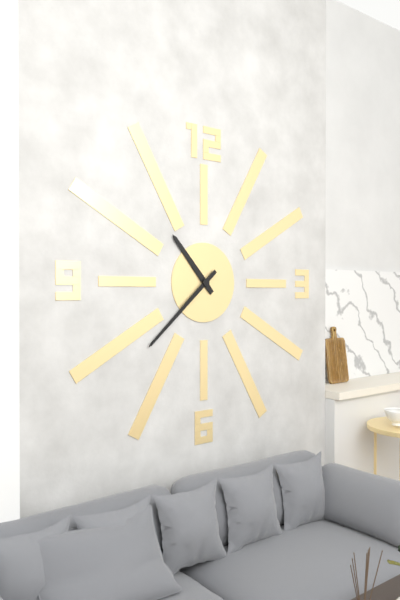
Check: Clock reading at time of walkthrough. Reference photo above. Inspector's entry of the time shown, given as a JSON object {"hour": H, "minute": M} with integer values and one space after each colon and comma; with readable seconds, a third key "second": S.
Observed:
{"hour": 10, "minute": 38}
